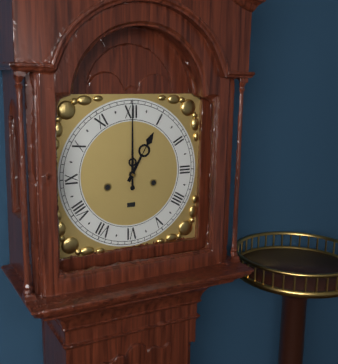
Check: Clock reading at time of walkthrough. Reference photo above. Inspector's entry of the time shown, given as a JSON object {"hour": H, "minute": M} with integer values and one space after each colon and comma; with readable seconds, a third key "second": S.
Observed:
{"hour": 1, "minute": 0}
